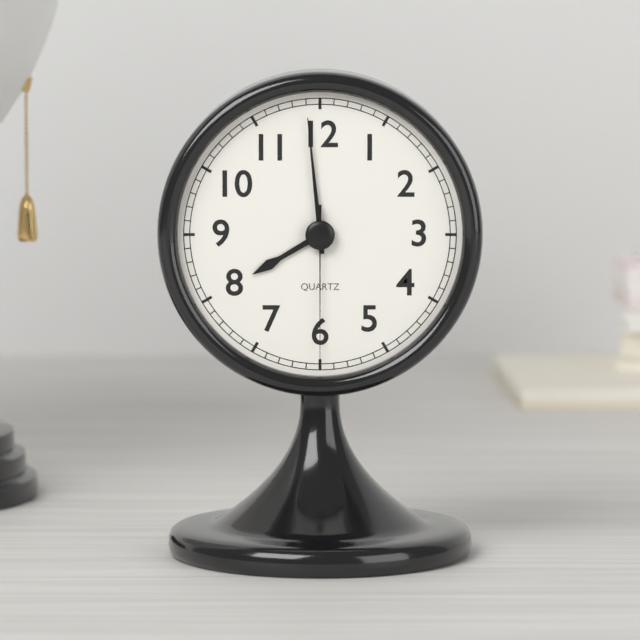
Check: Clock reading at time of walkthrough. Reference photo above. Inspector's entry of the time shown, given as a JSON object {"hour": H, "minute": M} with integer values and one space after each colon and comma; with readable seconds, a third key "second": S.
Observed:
{"hour": 7, "minute": 59, "second": 30}
